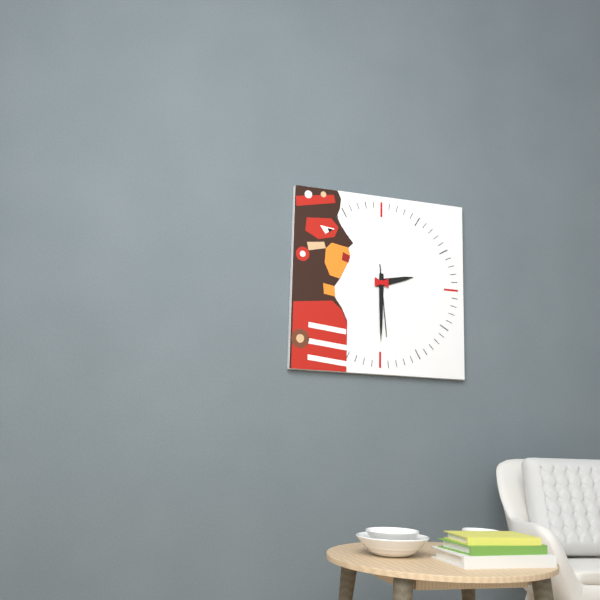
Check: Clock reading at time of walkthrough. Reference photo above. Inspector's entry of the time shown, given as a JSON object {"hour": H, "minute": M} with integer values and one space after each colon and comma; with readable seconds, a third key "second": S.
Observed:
{"hour": 2, "minute": 30, "second": 29}
